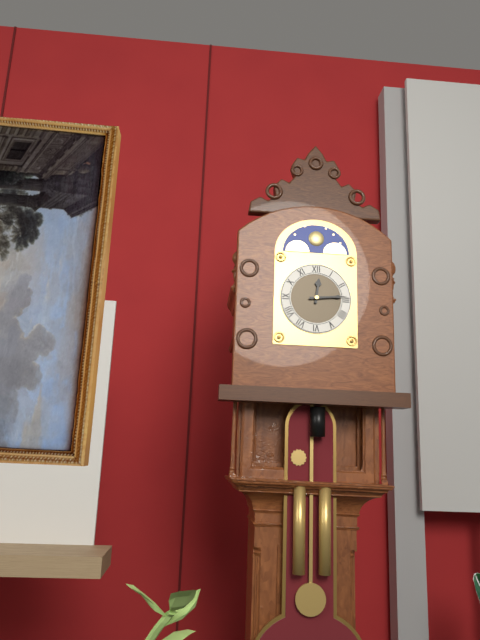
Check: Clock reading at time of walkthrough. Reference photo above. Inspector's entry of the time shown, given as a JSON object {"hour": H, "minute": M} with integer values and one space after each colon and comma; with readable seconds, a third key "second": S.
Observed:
{"hour": 12, "minute": 14}
